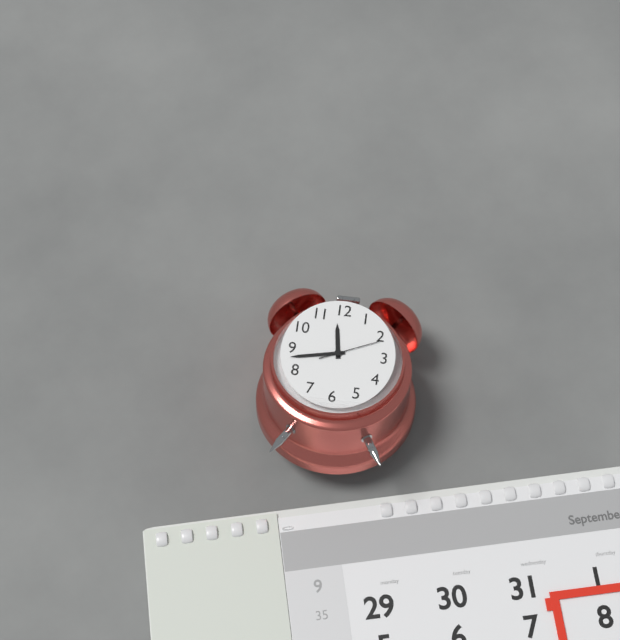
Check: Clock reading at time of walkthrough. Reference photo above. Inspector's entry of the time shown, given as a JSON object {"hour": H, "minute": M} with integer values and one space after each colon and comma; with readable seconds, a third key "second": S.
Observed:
{"hour": 11, "minute": 43, "second": 11}
